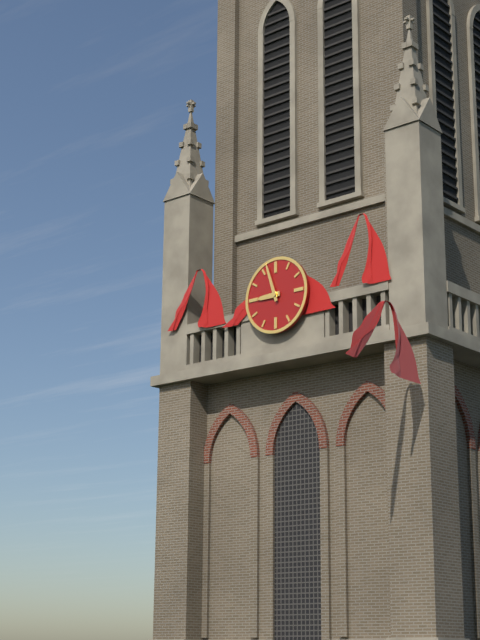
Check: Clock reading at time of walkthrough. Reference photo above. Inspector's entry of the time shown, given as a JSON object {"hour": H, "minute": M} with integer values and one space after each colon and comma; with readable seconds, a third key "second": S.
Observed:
{"hour": 8, "minute": 57}
